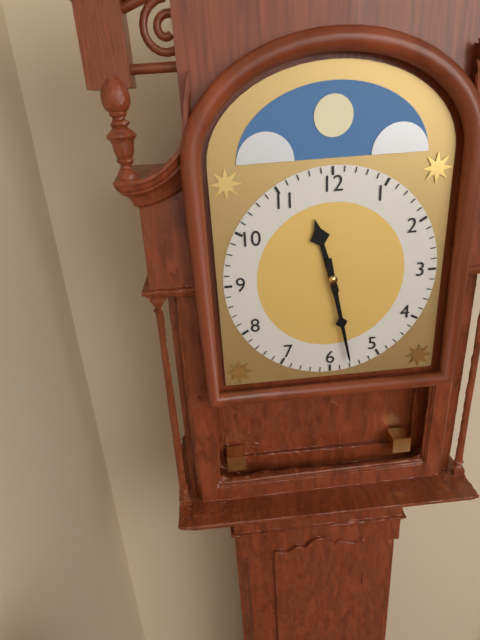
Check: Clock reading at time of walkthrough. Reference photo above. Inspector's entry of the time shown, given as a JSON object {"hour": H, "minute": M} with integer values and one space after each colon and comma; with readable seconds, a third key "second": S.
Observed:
{"hour": 11, "minute": 28}
